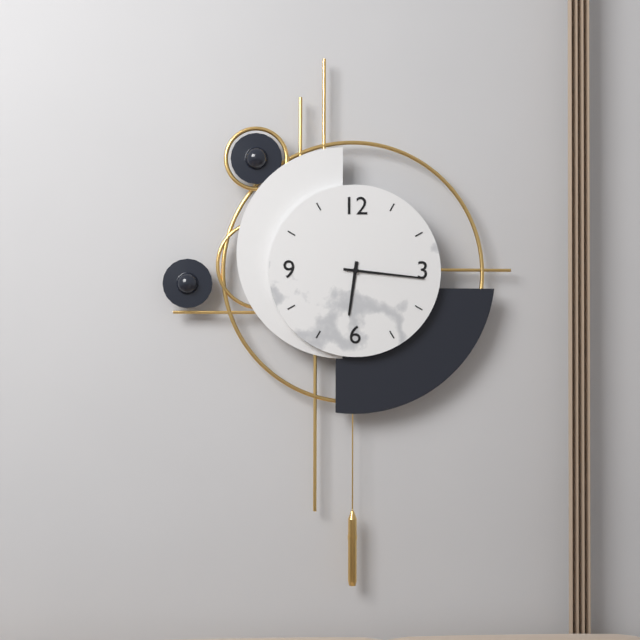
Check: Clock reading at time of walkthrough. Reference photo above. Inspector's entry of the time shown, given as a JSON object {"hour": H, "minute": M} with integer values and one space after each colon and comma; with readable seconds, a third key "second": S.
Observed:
{"hour": 6, "minute": 16}
